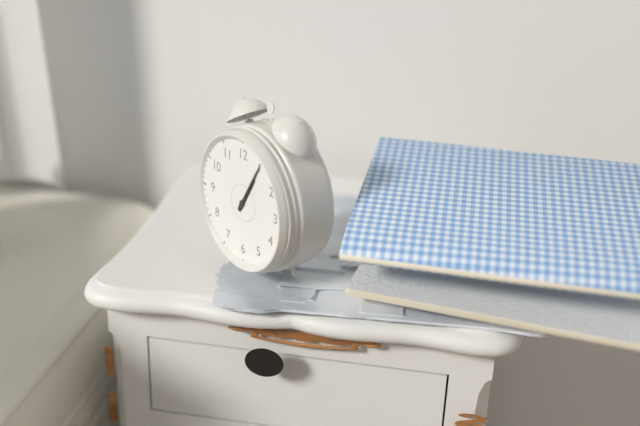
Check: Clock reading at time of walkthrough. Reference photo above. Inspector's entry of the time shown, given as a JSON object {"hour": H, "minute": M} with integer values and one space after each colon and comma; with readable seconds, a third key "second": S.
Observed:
{"hour": 1, "minute": 5}
